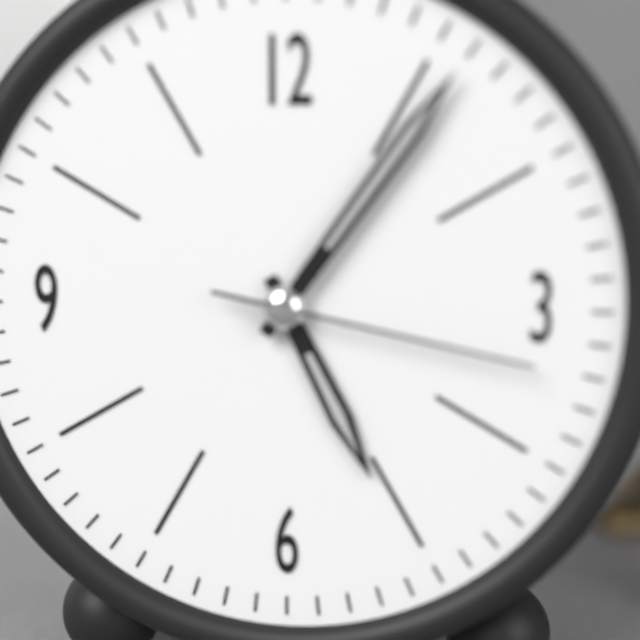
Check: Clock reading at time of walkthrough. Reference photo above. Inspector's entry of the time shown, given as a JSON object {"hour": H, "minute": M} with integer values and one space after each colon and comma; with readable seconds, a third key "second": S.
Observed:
{"hour": 5, "minute": 6, "second": 17}
